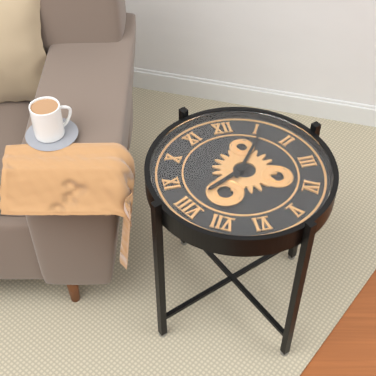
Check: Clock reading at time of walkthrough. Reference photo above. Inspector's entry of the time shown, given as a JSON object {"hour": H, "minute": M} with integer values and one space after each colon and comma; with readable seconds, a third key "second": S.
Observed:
{"hour": 8, "minute": 6}
